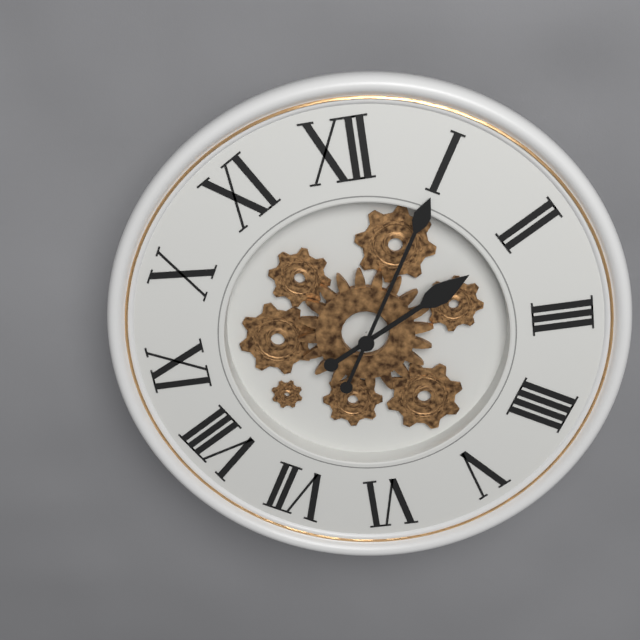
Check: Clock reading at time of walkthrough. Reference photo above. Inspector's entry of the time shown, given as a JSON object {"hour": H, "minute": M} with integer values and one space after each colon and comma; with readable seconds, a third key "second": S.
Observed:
{"hour": 2, "minute": 5}
